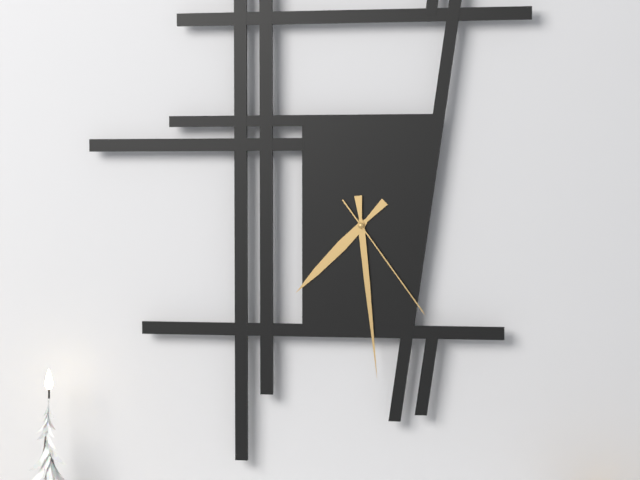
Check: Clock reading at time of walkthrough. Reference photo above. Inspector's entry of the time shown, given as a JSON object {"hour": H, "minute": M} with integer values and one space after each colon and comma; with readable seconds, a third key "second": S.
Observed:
{"hour": 7, "minute": 29, "second": 24}
